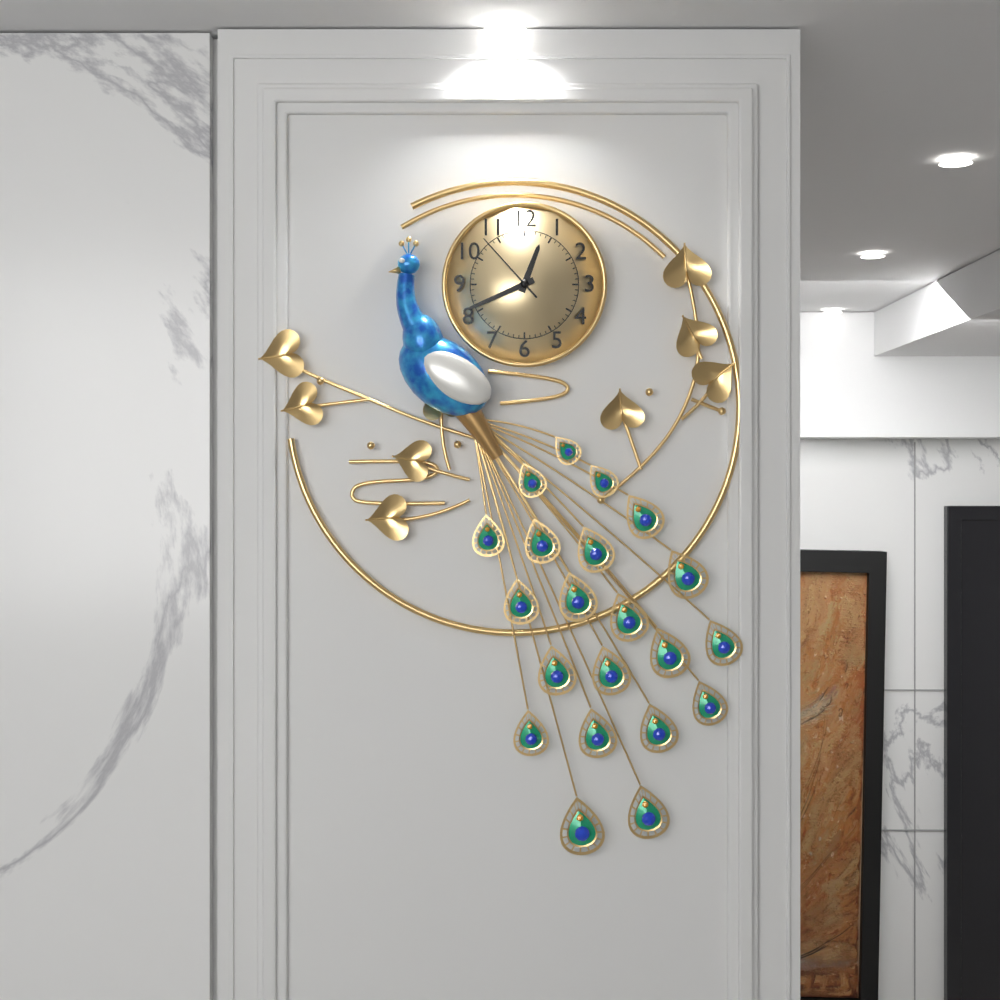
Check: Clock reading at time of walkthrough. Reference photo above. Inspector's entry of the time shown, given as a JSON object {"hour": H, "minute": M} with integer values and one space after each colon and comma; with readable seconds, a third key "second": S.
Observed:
{"hour": 12, "minute": 41, "second": 53}
